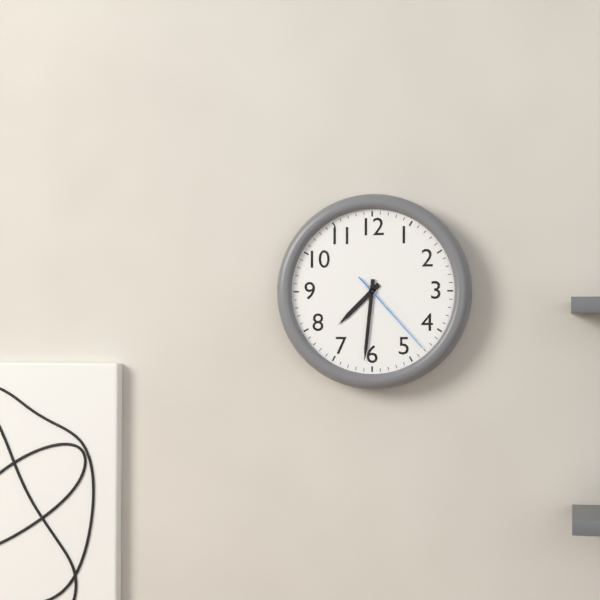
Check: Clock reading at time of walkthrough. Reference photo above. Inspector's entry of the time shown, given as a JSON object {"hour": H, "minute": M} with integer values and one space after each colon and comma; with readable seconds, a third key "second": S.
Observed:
{"hour": 7, "minute": 31, "second": 23}
